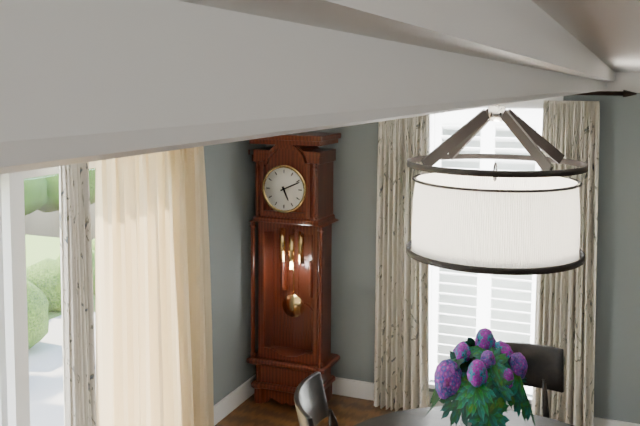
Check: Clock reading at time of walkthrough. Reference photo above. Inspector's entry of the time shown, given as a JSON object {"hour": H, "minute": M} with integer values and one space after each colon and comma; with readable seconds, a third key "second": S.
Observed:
{"hour": 5, "minute": 11}
